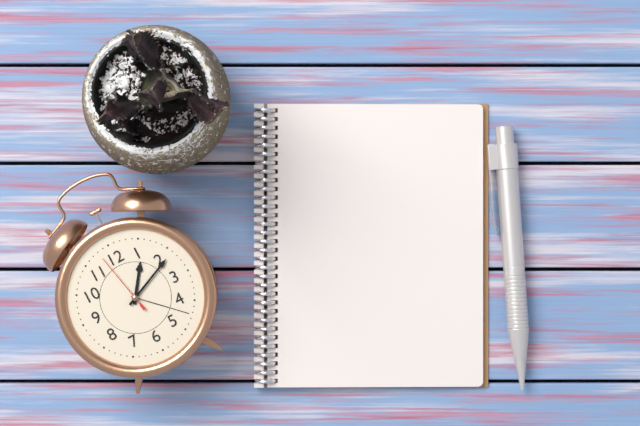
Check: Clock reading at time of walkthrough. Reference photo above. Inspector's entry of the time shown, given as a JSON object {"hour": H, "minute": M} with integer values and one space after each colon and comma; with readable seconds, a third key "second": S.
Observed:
{"hour": 1, "minute": 11, "second": 58}
